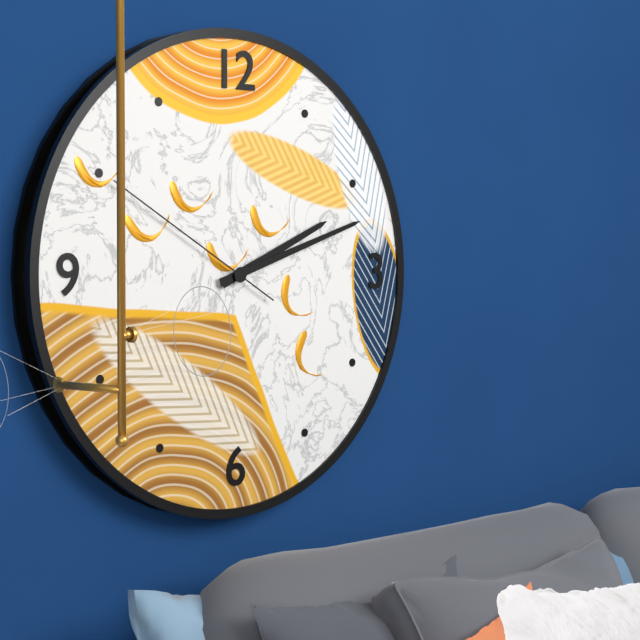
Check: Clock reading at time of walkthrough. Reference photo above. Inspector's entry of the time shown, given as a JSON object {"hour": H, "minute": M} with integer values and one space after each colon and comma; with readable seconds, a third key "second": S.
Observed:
{"hour": 2, "minute": 12, "second": 50}
